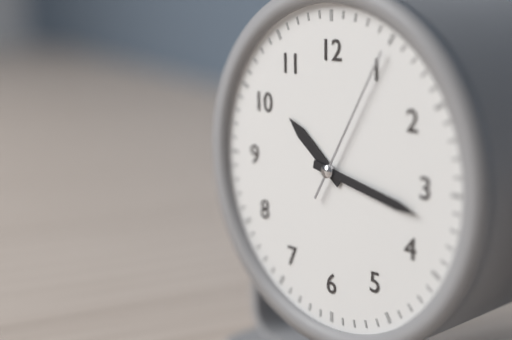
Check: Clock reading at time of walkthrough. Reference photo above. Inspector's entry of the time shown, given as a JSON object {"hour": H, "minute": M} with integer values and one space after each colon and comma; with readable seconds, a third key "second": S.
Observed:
{"hour": 10, "minute": 17, "second": 5}
